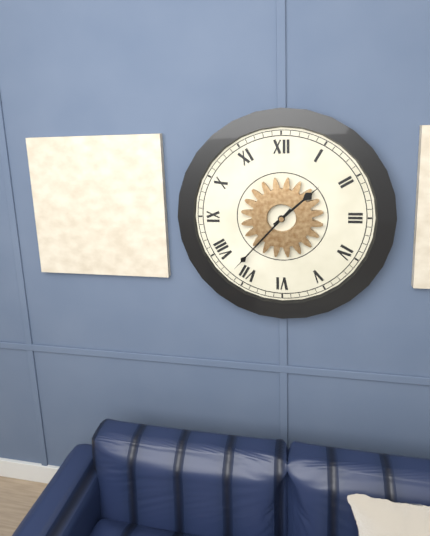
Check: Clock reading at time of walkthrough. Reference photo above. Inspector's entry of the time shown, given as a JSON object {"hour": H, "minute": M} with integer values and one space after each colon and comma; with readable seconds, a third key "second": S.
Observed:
{"hour": 1, "minute": 37}
